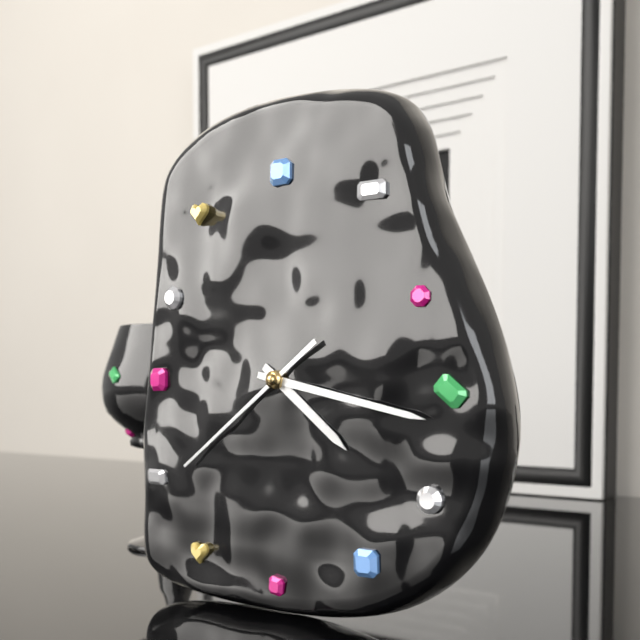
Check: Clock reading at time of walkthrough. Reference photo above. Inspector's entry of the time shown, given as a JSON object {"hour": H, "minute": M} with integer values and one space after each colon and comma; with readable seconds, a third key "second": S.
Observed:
{"hour": 4, "minute": 17, "second": 39}
